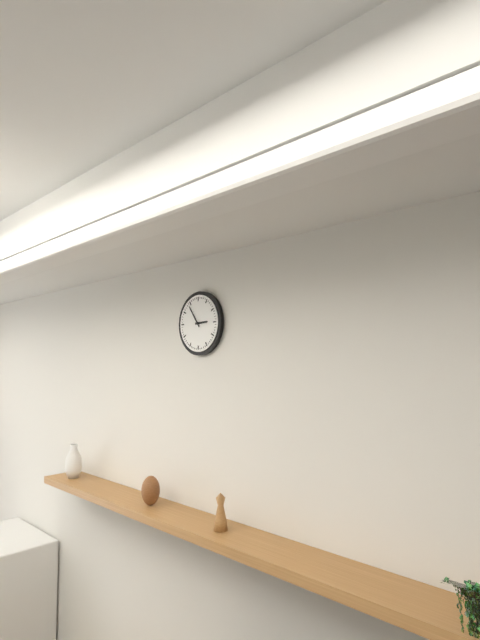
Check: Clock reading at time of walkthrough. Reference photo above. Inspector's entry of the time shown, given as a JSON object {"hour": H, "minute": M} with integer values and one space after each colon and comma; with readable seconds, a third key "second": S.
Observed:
{"hour": 2, "minute": 54}
